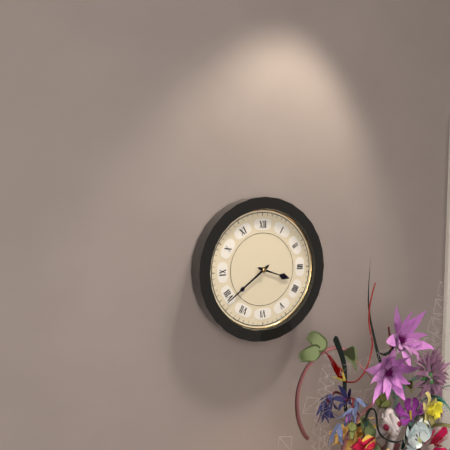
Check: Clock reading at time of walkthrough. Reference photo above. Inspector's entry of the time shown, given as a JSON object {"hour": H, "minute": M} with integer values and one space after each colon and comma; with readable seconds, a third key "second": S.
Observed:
{"hour": 3, "minute": 39}
